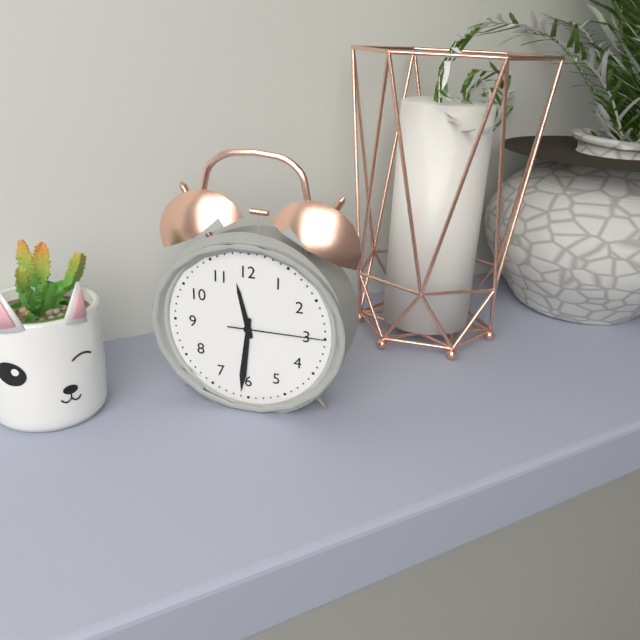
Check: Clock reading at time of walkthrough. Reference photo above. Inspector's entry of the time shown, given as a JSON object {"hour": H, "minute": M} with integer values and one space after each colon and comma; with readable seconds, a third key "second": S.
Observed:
{"hour": 11, "minute": 31, "second": 15}
